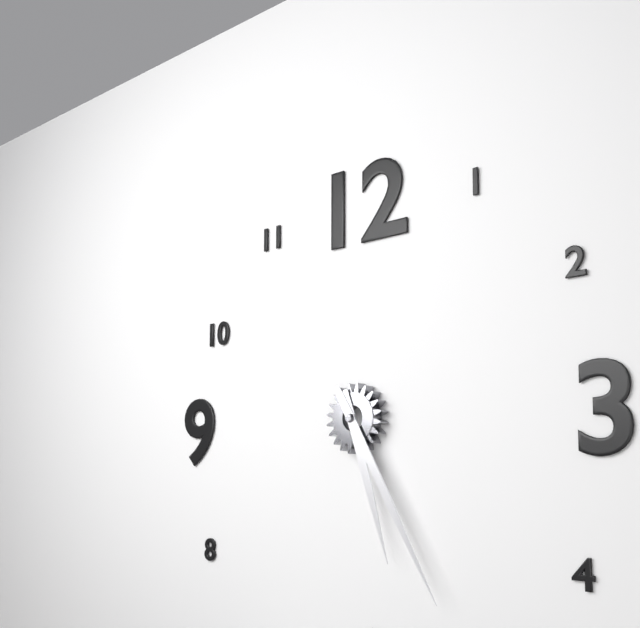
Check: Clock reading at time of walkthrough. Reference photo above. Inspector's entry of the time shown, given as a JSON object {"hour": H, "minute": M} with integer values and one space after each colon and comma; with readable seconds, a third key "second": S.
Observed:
{"hour": 5, "minute": 25}
